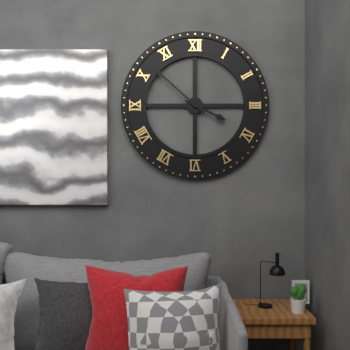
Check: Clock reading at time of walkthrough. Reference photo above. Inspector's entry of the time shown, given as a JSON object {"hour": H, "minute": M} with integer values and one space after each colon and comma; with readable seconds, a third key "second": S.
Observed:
{"hour": 3, "minute": 52}
